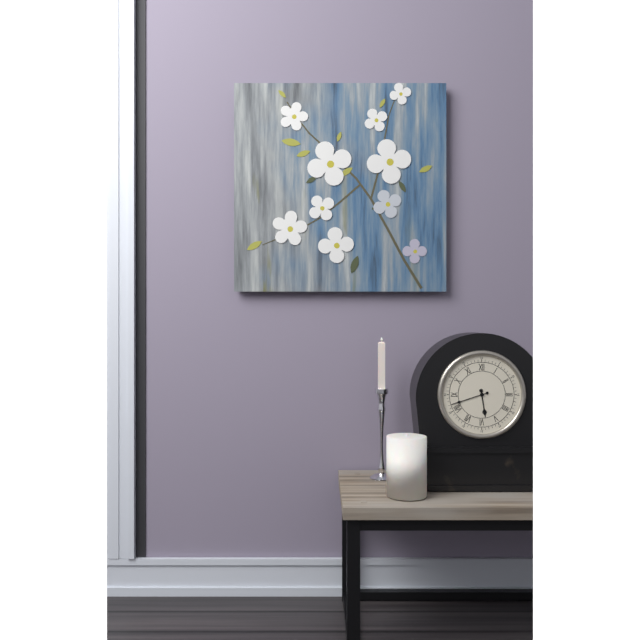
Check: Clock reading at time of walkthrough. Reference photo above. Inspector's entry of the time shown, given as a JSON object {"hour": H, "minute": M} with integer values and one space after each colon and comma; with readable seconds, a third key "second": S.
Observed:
{"hour": 5, "minute": 42}
